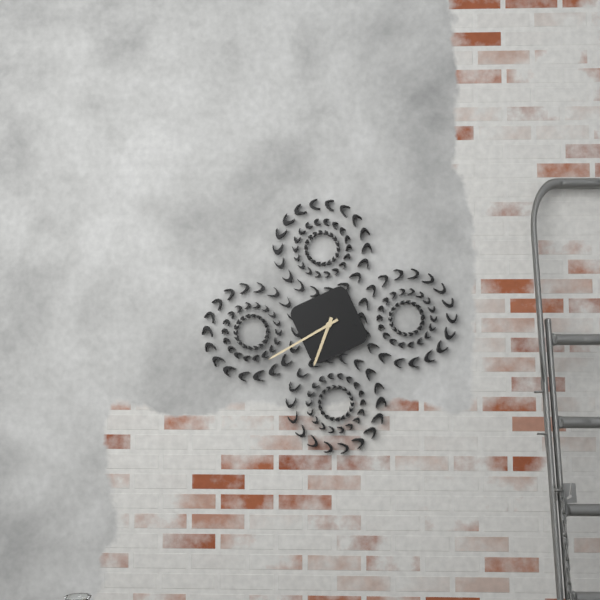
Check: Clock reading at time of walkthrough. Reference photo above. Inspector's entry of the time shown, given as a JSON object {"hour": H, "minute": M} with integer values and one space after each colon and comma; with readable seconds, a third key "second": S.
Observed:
{"hour": 6, "minute": 40}
